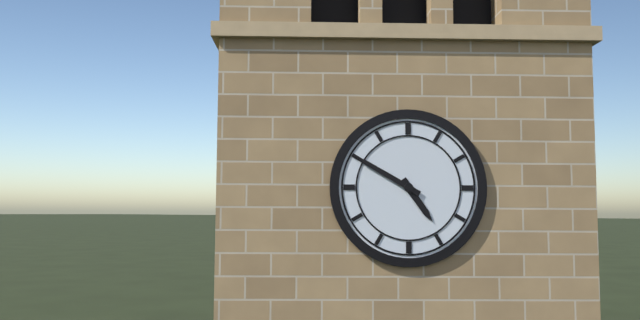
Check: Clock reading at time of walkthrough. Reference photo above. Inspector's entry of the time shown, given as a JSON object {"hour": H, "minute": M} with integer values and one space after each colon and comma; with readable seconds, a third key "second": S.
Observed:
{"hour": 4, "minute": 50}
